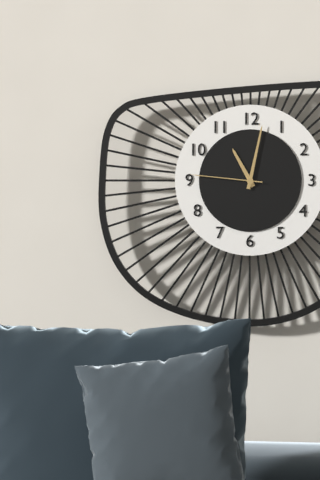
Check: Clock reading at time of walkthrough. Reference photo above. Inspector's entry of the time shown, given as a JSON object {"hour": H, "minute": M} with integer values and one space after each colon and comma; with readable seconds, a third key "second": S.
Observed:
{"hour": 11, "minute": 2, "second": 46}
